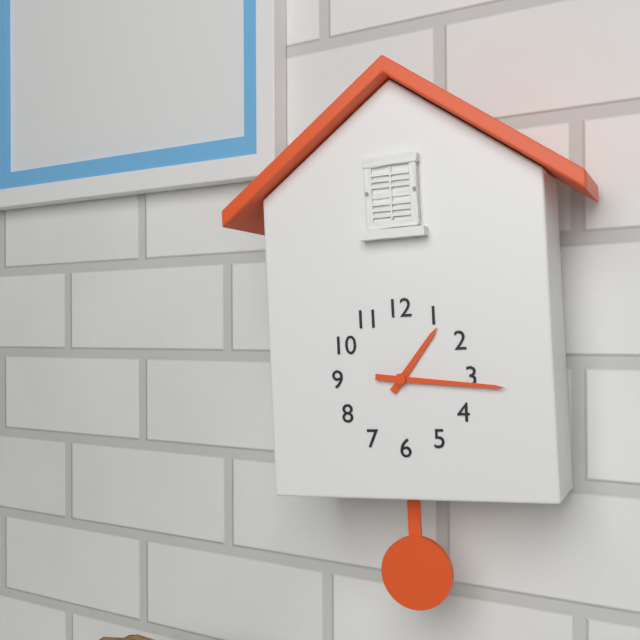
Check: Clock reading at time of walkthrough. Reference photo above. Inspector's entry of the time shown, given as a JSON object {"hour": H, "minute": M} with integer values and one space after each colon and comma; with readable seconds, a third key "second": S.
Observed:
{"hour": 1, "minute": 16}
